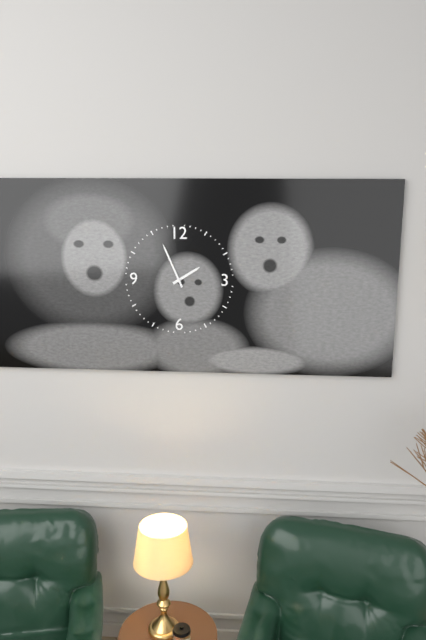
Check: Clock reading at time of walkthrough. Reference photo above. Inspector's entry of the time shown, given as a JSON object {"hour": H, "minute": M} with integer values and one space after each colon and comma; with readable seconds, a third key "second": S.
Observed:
{"hour": 1, "minute": 56}
